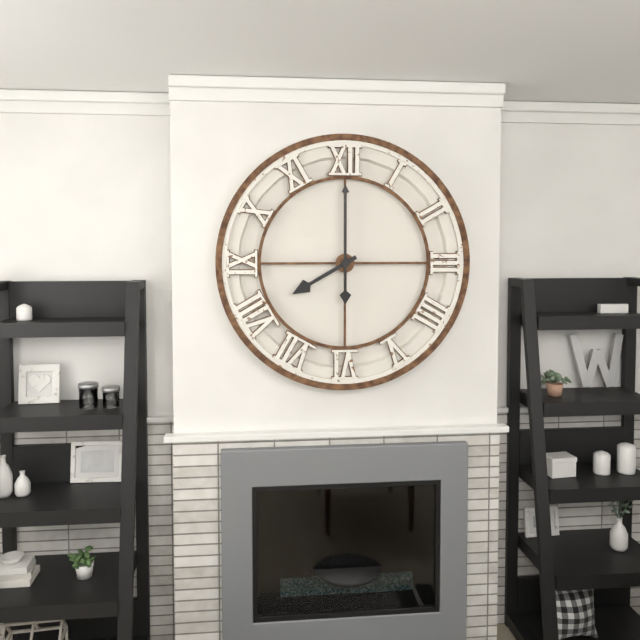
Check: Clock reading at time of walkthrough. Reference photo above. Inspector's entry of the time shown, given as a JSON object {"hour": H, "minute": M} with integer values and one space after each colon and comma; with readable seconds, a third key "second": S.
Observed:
{"hour": 8, "minute": 0}
